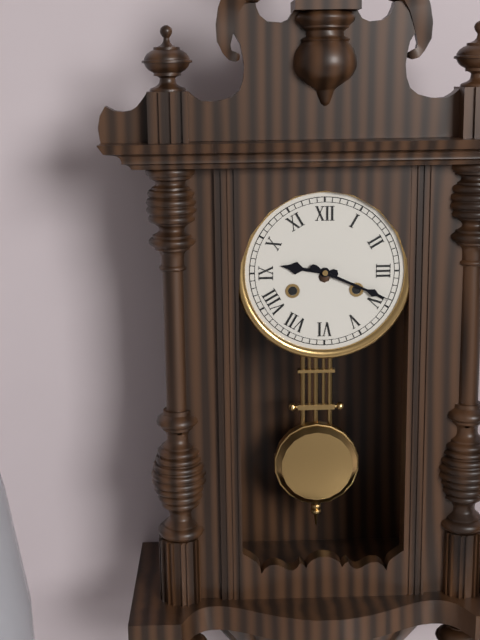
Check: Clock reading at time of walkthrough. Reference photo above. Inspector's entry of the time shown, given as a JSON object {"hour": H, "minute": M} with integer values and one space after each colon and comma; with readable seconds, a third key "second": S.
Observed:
{"hour": 9, "minute": 19}
